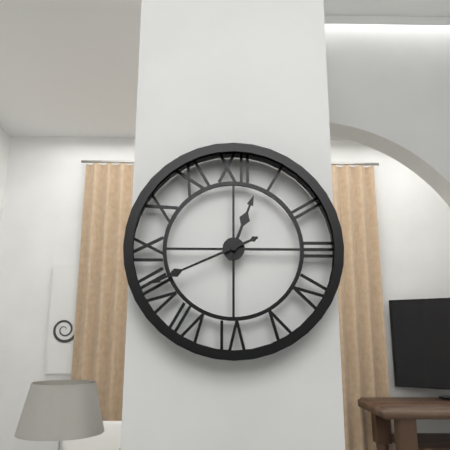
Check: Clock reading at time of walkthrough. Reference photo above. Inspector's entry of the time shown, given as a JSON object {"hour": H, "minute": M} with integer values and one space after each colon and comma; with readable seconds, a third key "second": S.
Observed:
{"hour": 12, "minute": 41}
